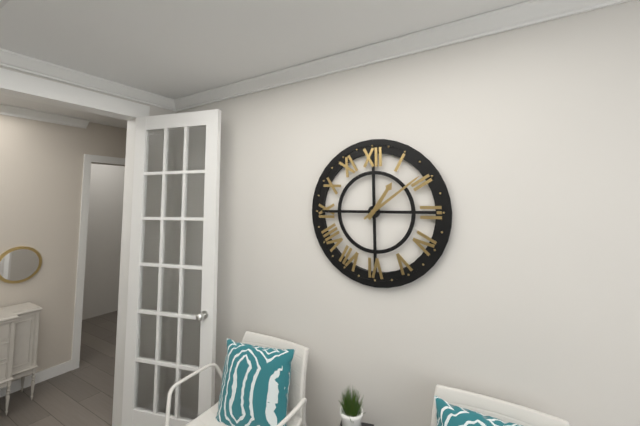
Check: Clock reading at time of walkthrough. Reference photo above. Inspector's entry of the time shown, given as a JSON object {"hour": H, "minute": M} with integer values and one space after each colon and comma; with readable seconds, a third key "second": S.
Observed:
{"hour": 1, "minute": 9}
